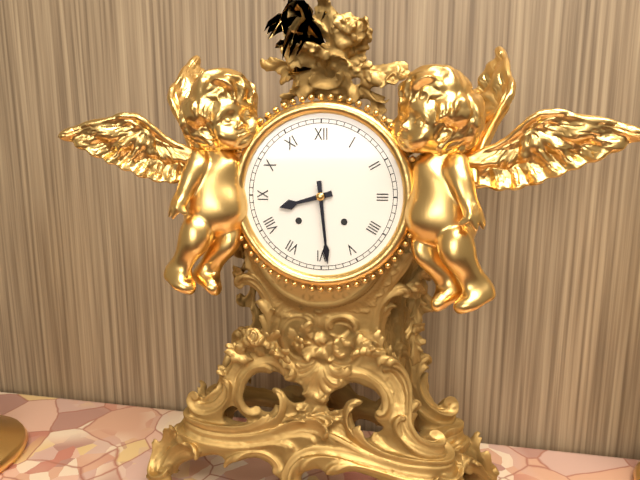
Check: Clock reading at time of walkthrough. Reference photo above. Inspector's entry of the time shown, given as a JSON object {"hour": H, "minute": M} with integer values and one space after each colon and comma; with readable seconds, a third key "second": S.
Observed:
{"hour": 8, "minute": 29}
